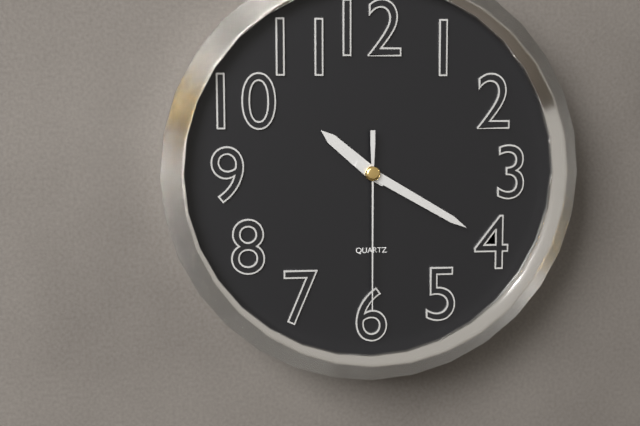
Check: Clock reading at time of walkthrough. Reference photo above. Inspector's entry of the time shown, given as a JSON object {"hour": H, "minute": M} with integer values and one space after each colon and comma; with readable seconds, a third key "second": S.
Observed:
{"hour": 10, "minute": 20, "second": 30}
